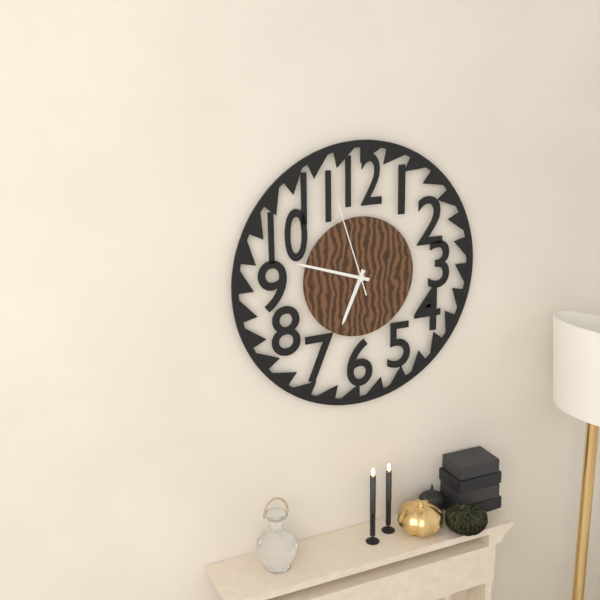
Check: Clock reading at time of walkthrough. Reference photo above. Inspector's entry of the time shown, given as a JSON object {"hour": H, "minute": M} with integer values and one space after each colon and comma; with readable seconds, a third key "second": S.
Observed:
{"hour": 6, "minute": 48, "second": 57}
